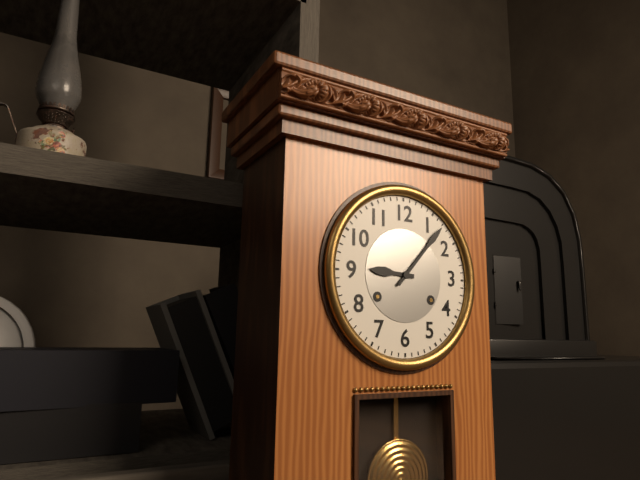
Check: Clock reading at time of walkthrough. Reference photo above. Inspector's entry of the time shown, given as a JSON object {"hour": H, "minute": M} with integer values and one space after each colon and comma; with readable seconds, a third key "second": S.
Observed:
{"hour": 9, "minute": 7}
